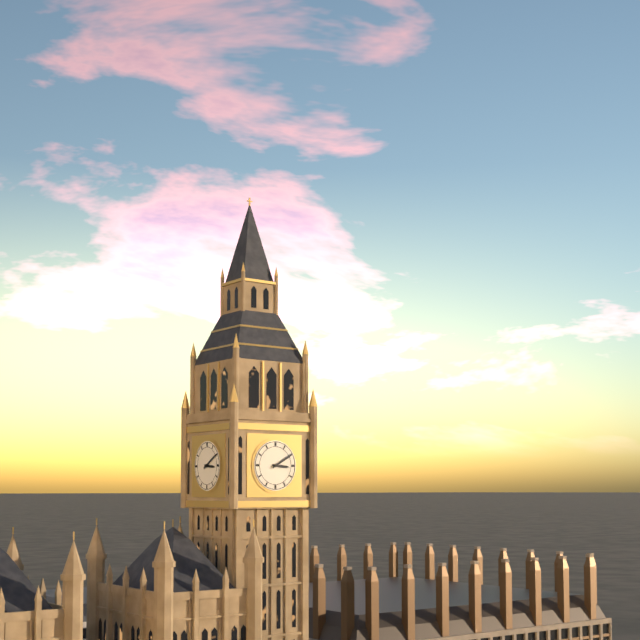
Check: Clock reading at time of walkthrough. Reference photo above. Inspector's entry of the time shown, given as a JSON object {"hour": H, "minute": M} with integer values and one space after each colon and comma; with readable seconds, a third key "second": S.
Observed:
{"hour": 3, "minute": 10}
